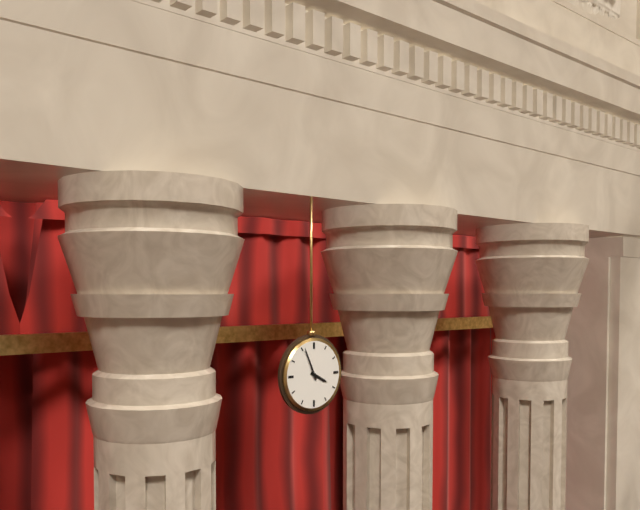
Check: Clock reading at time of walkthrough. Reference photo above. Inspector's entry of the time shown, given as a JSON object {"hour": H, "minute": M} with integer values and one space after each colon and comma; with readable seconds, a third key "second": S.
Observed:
{"hour": 3, "minute": 56}
